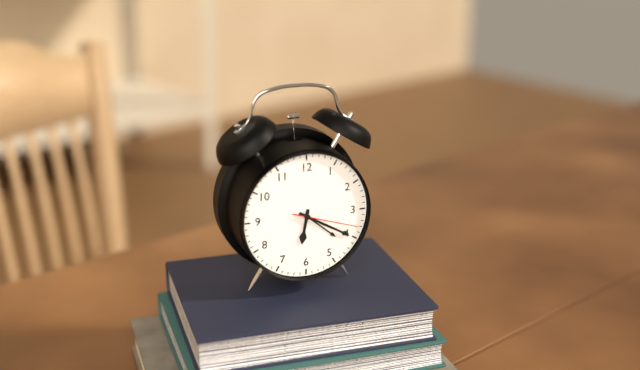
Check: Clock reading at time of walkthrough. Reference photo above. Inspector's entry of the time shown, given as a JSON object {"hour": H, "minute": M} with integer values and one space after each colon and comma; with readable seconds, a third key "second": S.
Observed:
{"hour": 6, "minute": 20, "second": 18}
